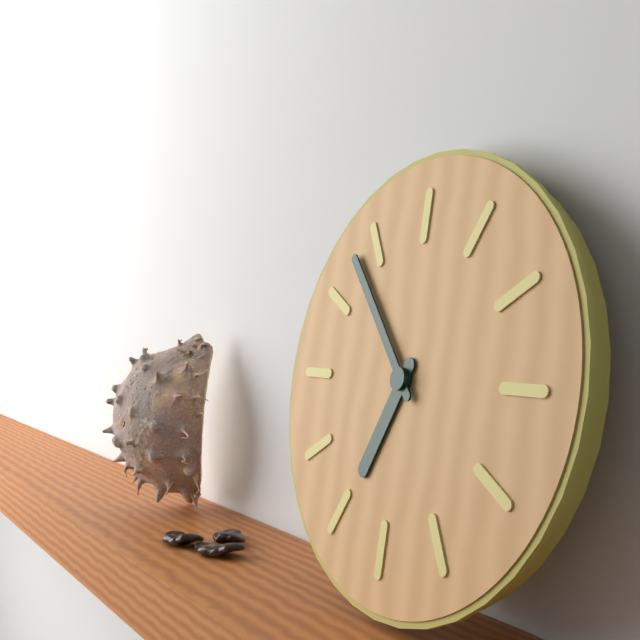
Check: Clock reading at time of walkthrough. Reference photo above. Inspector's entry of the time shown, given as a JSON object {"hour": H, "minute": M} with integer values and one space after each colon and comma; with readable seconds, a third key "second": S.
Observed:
{"hour": 6, "minute": 53}
